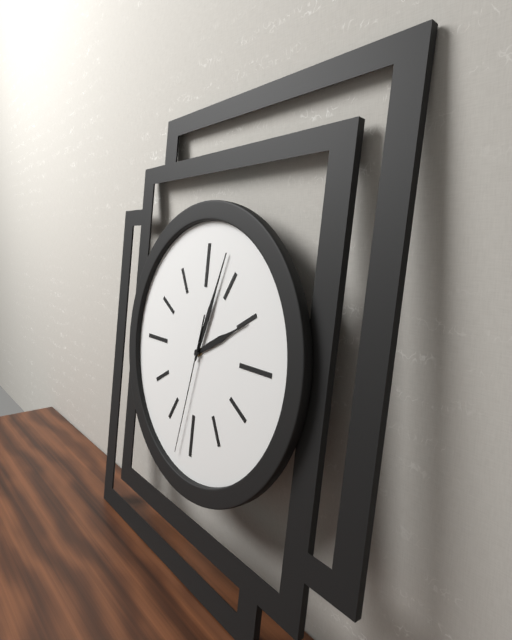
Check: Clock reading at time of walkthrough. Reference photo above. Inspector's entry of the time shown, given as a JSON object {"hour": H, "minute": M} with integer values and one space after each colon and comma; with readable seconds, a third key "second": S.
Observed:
{"hour": 2, "minute": 3, "second": 32}
